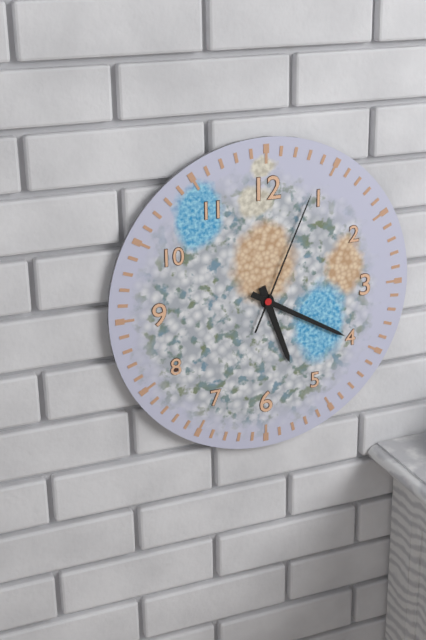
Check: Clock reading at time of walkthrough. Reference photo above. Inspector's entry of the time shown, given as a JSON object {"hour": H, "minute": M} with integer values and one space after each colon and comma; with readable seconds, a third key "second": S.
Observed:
{"hour": 5, "minute": 20, "second": 4}
